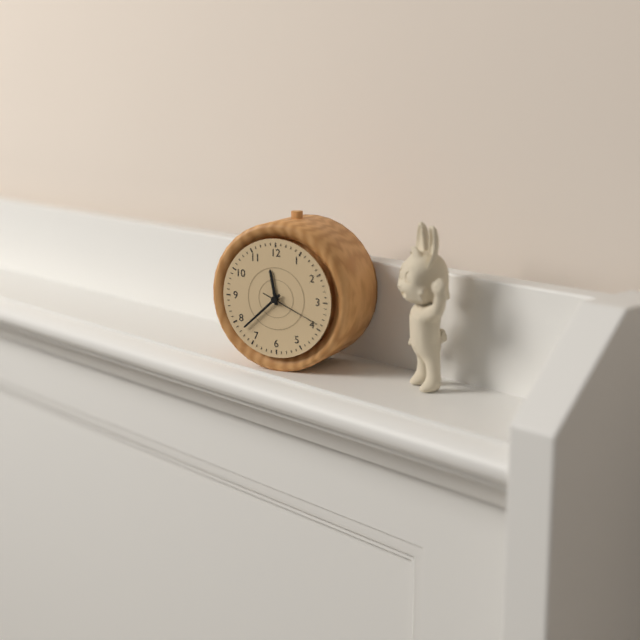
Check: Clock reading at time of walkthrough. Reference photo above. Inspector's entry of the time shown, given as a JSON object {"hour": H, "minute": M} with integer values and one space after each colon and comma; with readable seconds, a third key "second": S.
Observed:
{"hour": 11, "minute": 38, "second": 19}
